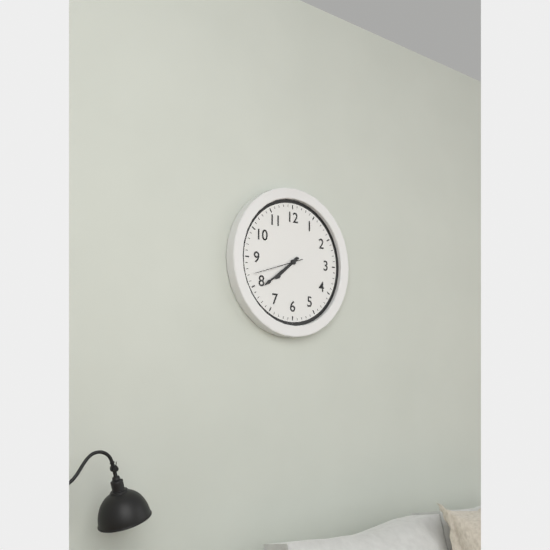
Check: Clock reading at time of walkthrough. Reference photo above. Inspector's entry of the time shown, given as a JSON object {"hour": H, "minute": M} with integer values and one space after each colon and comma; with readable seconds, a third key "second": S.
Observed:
{"hour": 7, "minute": 39}
